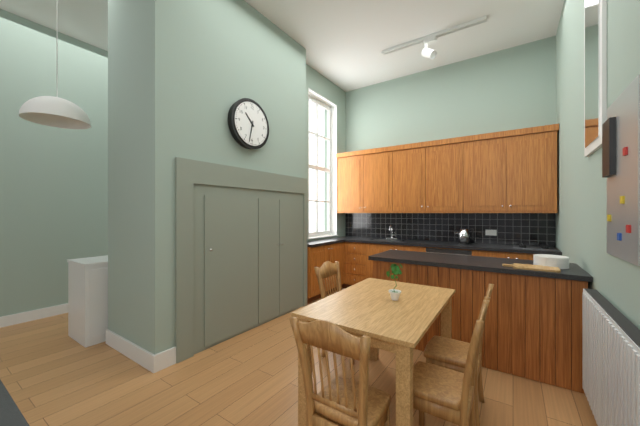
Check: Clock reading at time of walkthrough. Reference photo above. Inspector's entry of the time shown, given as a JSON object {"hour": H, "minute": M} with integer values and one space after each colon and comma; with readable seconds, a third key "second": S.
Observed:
{"hour": 10, "minute": 32}
